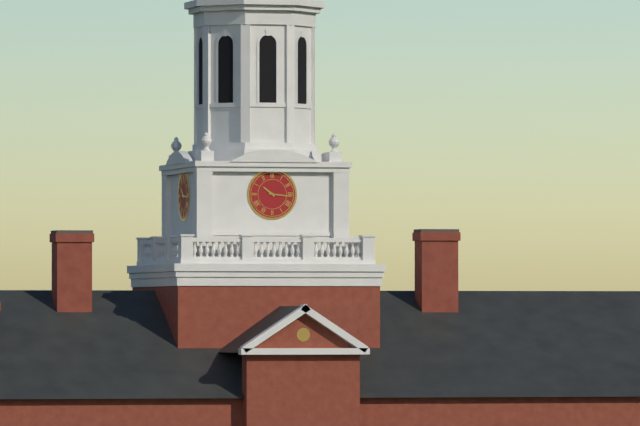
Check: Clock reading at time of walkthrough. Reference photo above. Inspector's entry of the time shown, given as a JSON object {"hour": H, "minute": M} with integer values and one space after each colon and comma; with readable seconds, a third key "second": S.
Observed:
{"hour": 10, "minute": 16}
